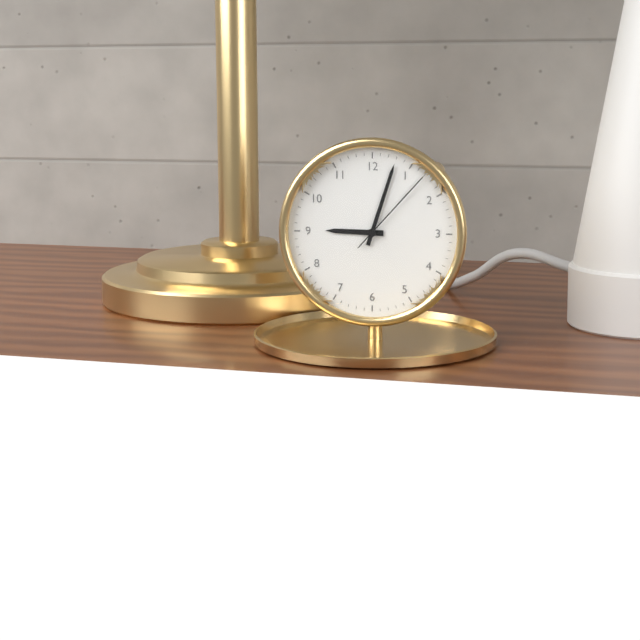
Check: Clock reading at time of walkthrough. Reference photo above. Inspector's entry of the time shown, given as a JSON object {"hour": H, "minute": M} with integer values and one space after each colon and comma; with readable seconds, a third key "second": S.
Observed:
{"hour": 9, "minute": 3, "second": 7}
